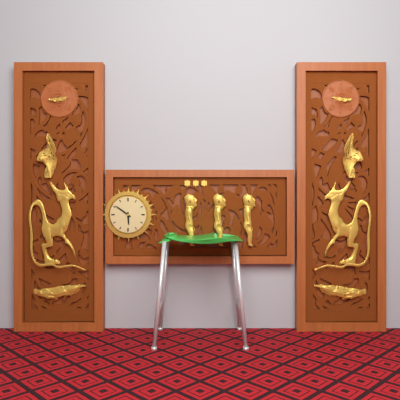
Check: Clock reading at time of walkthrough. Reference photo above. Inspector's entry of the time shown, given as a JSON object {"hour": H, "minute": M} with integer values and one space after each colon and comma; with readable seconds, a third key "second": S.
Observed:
{"hour": 5, "minute": 51}
